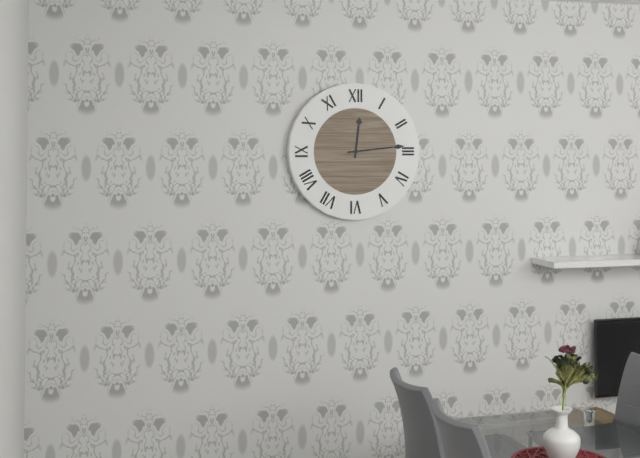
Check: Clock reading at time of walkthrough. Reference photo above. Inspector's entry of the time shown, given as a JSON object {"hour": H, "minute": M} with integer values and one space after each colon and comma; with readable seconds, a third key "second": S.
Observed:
{"hour": 12, "minute": 14}
